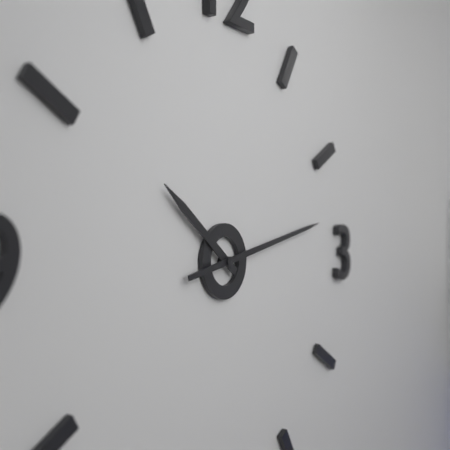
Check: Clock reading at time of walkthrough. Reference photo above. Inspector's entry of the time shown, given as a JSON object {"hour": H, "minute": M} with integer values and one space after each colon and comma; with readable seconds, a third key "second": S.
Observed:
{"hour": 10, "minute": 13}
